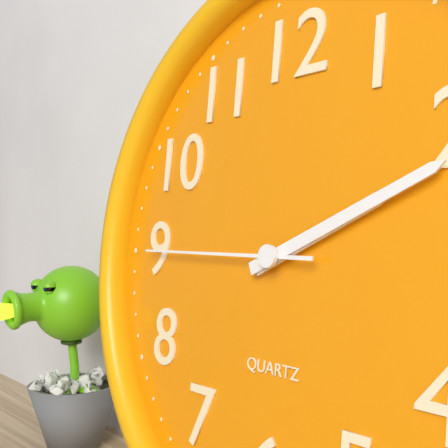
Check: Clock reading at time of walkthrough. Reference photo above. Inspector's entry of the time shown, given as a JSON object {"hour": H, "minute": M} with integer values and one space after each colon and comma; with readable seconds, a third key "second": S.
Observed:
{"hour": 2, "minute": 11, "second": 45}
